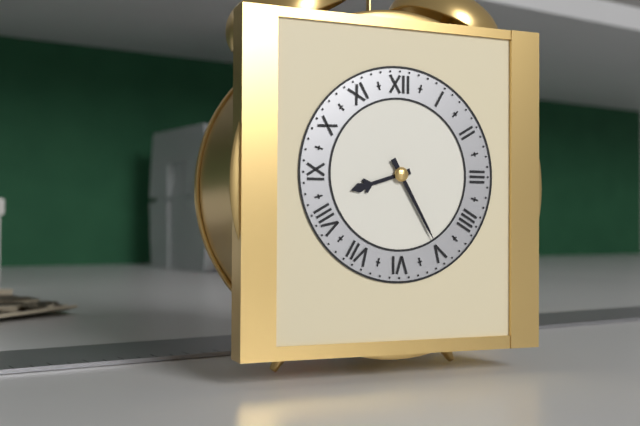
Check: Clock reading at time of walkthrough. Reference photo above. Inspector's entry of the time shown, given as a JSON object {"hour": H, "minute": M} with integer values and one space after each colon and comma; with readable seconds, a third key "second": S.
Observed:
{"hour": 8, "minute": 25}
